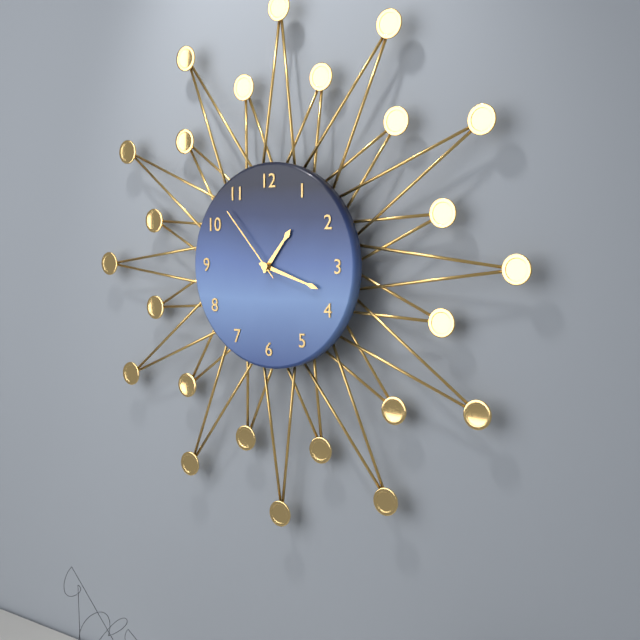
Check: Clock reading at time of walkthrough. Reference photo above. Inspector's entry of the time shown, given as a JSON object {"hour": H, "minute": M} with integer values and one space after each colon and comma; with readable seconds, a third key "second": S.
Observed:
{"hour": 1, "minute": 18, "second": 53}
